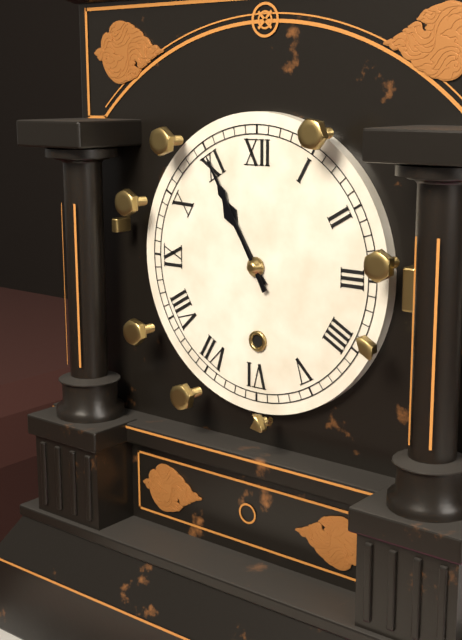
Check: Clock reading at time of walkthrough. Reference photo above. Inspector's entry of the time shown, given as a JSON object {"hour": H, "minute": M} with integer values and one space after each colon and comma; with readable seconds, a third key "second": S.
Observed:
{"hour": 10, "minute": 55}
